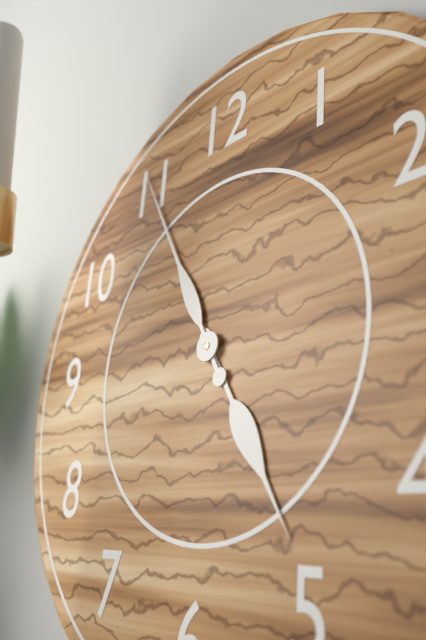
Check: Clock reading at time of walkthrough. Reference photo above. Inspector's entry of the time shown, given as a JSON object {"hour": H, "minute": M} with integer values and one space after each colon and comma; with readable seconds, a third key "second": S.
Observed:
{"hour": 4, "minute": 55}
